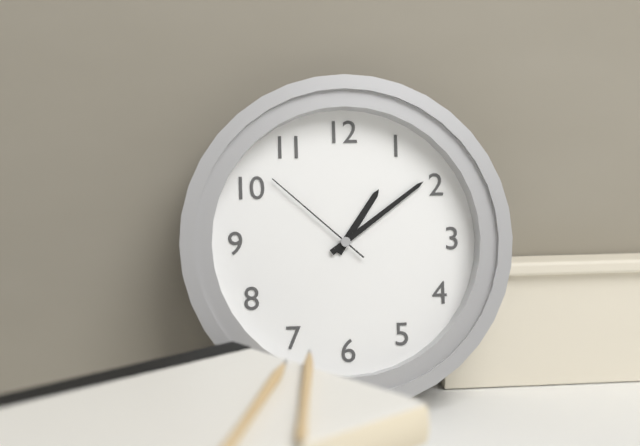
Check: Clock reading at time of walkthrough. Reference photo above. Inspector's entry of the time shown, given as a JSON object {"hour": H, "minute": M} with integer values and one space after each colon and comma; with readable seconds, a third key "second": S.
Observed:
{"hour": 1, "minute": 9, "second": 52}
